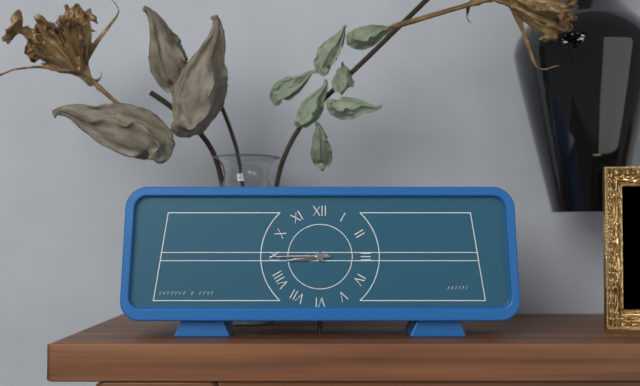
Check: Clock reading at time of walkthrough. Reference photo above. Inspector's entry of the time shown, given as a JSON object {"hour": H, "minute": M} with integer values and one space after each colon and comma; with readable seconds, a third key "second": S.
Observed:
{"hour": 8, "minute": 45}
